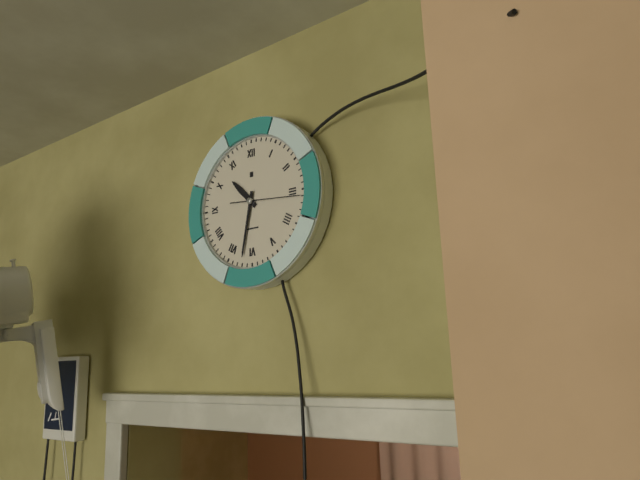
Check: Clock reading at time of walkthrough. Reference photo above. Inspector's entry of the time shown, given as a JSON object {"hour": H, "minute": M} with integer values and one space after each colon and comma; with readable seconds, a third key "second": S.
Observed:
{"hour": 10, "minute": 32, "second": 16}
